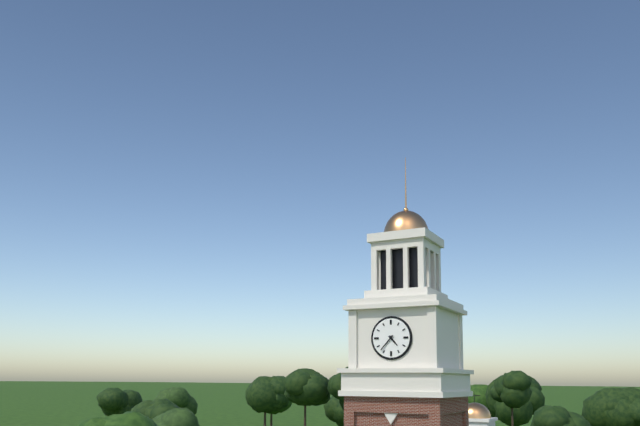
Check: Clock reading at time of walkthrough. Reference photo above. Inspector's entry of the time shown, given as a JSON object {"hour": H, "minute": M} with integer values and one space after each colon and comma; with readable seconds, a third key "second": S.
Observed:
{"hour": 4, "minute": 37}
